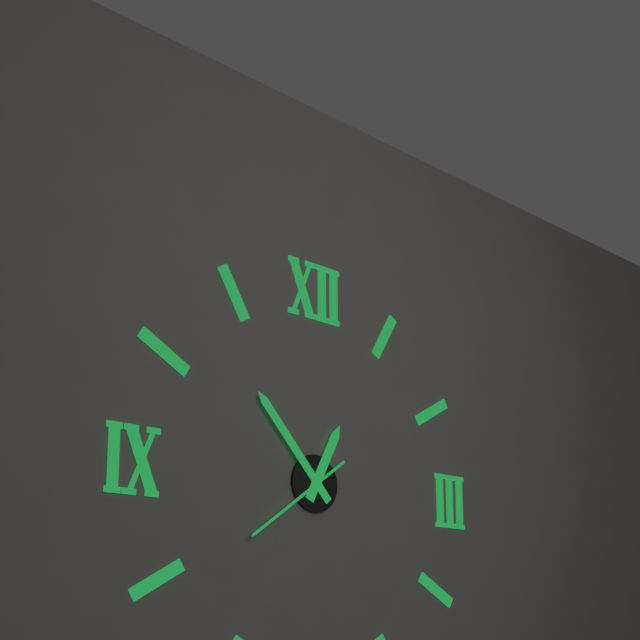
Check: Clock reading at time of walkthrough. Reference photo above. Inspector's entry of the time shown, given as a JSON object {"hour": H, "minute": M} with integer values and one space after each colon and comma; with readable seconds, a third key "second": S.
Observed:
{"hour": 12, "minute": 53, "second": 39}
